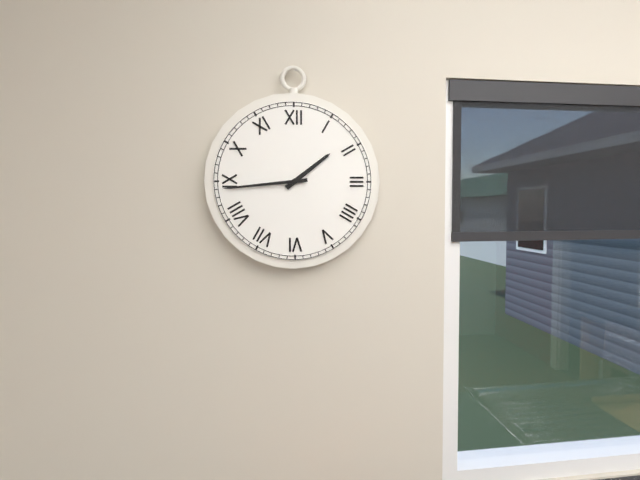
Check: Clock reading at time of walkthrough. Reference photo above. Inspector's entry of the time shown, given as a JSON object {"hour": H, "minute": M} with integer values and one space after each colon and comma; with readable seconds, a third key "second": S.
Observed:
{"hour": 1, "minute": 44}
